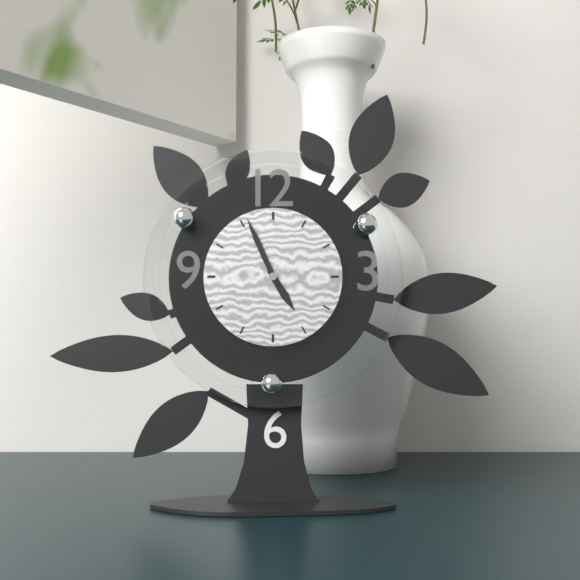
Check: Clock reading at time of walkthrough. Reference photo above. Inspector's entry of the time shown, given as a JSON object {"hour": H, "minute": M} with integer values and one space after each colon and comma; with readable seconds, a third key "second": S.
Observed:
{"hour": 4, "minute": 56}
